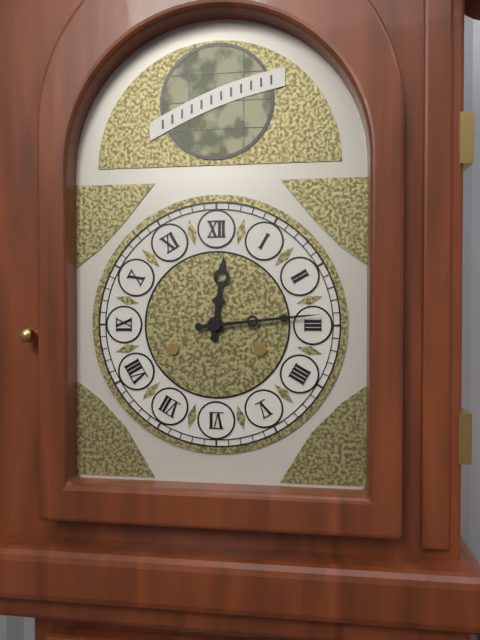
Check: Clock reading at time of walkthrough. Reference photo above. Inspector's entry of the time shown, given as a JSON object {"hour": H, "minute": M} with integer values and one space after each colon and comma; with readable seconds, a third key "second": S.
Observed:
{"hour": 12, "minute": 14}
